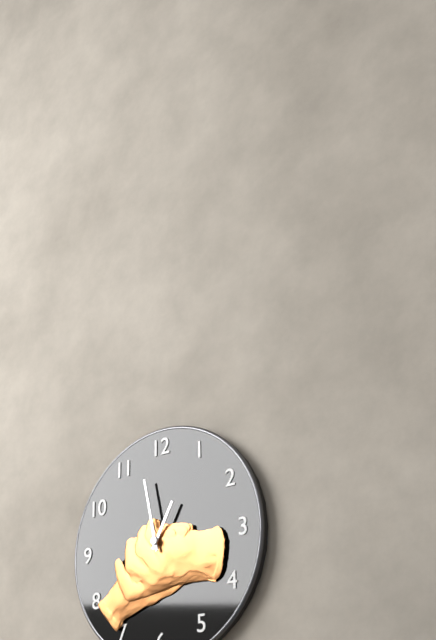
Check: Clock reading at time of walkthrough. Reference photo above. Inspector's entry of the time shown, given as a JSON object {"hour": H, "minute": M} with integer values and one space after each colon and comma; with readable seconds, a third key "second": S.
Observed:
{"hour": 12, "minute": 58}
